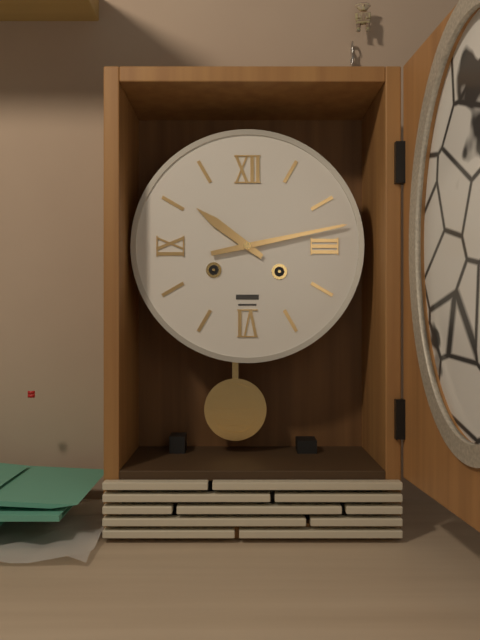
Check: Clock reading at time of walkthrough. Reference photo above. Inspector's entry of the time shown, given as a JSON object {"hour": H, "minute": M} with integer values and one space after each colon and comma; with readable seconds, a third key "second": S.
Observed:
{"hour": 10, "minute": 13}
